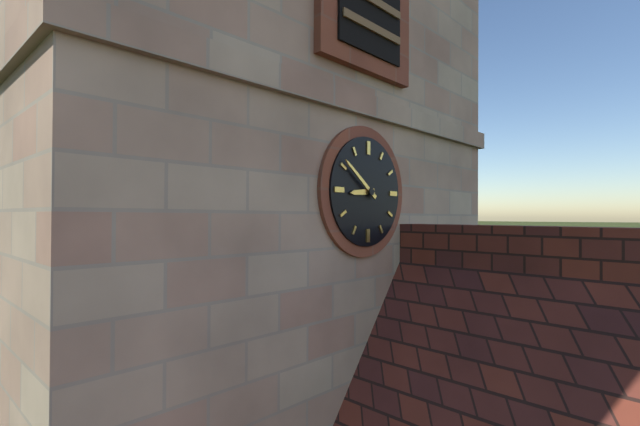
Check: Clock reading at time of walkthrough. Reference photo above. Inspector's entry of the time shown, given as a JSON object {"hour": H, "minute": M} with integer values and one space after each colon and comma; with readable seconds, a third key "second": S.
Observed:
{"hour": 8, "minute": 51}
